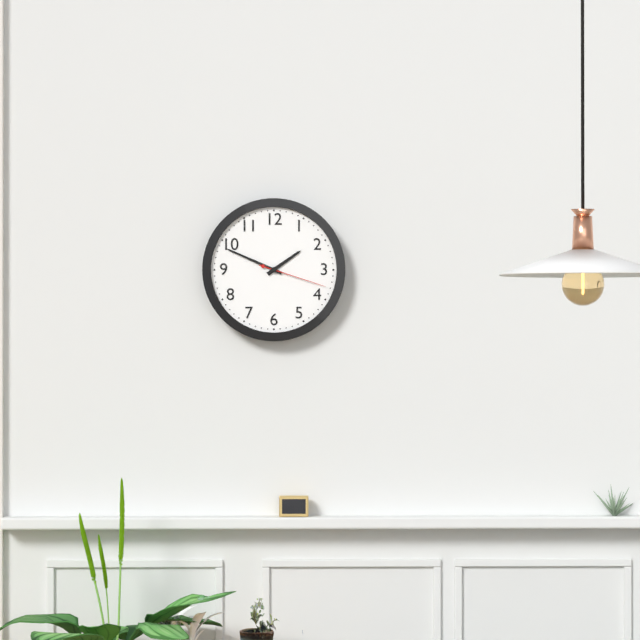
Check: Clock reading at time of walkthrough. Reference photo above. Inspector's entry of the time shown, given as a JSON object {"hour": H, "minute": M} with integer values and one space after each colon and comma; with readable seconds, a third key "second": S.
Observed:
{"hour": 1, "minute": 49, "second": 18}
